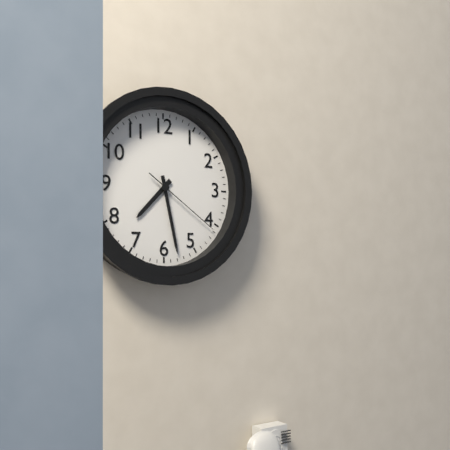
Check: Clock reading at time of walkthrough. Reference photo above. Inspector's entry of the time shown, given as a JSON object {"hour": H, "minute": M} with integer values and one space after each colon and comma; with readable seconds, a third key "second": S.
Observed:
{"hour": 7, "minute": 28, "second": 21}
